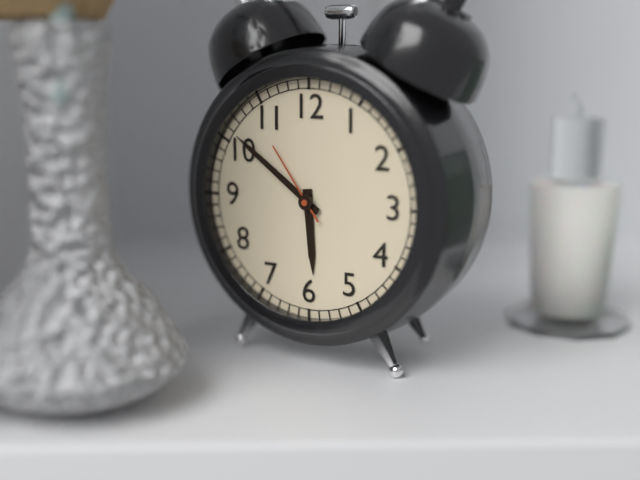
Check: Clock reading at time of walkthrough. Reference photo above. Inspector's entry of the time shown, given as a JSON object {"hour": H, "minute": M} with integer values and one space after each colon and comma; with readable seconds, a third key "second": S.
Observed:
{"hour": 5, "minute": 51, "second": 54}
